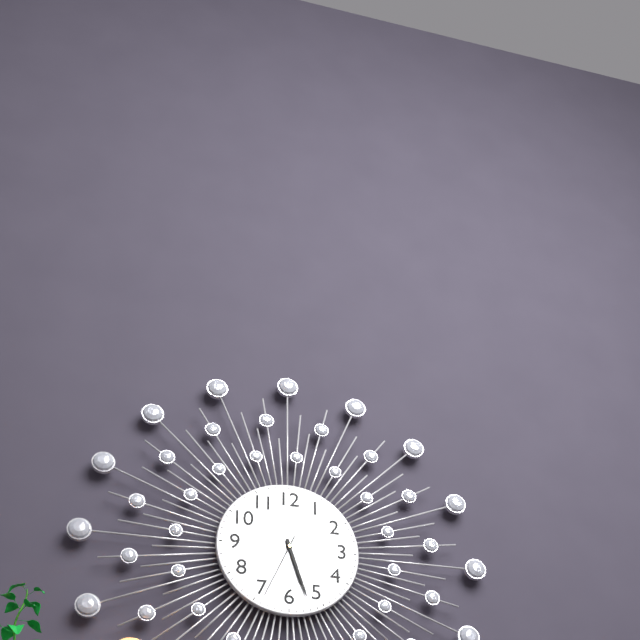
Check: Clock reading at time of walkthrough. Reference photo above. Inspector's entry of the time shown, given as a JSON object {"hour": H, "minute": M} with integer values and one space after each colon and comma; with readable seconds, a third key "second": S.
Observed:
{"hour": 5, "minute": 27, "second": 34}
